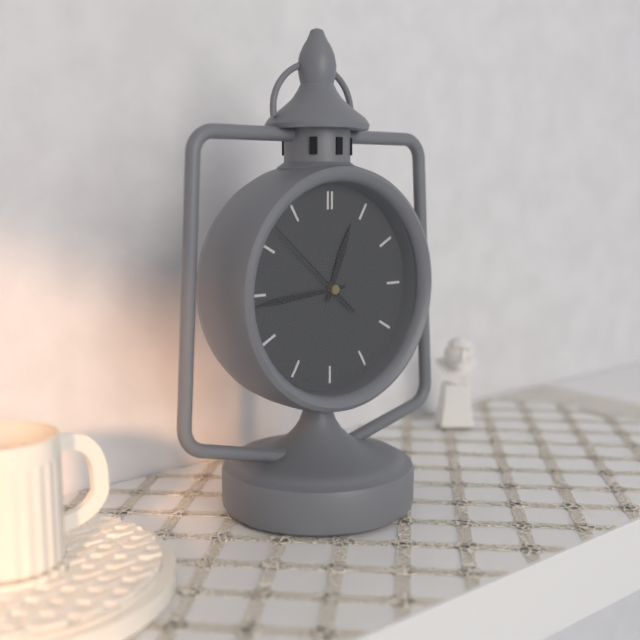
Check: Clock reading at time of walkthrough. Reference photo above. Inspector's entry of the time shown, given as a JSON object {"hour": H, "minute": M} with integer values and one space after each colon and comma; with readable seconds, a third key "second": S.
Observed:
{"hour": 12, "minute": 44, "second": 52}
